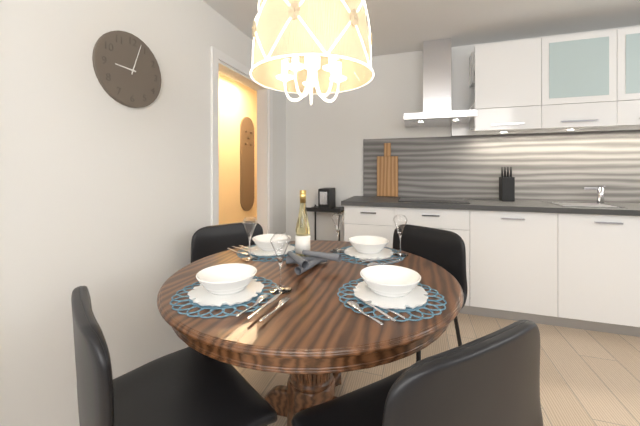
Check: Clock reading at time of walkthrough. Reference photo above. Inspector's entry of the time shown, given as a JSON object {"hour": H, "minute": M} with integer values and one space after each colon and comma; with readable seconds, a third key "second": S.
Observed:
{"hour": 9, "minute": 3}
